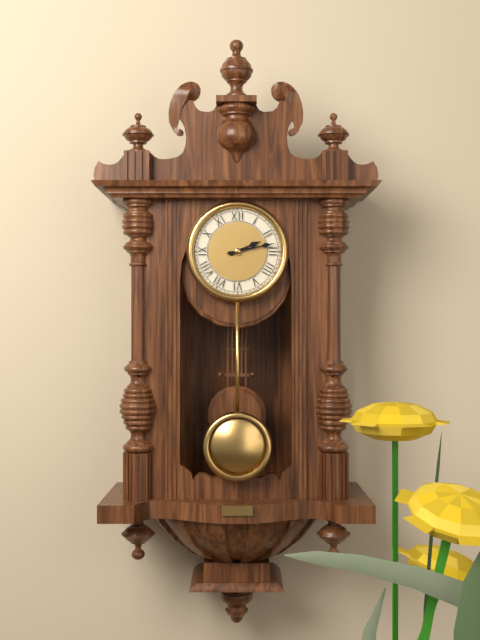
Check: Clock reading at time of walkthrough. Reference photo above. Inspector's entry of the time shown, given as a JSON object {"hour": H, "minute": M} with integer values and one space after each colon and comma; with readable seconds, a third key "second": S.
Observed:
{"hour": 2, "minute": 13}
